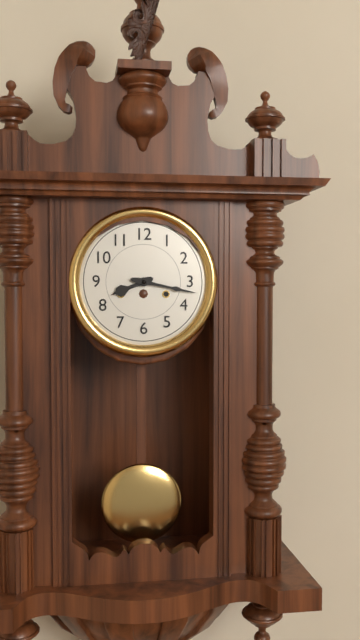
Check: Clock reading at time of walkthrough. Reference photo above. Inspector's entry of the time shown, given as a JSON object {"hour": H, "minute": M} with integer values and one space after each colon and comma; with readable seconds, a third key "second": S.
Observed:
{"hour": 8, "minute": 17}
